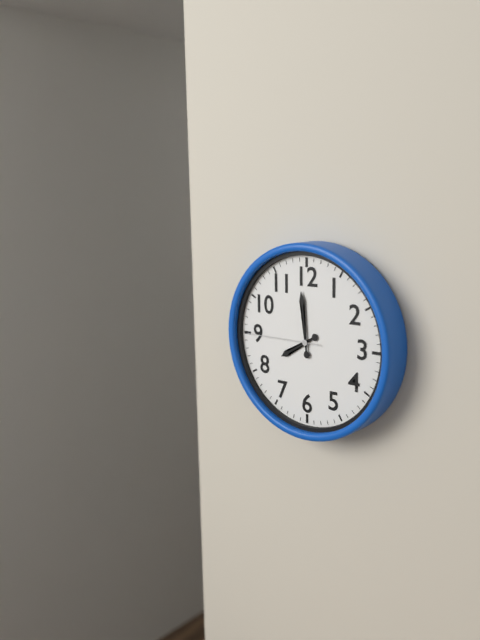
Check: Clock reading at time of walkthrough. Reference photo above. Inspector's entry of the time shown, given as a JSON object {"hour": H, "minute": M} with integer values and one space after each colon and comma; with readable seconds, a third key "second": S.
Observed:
{"hour": 7, "minute": 59, "second": 45}
